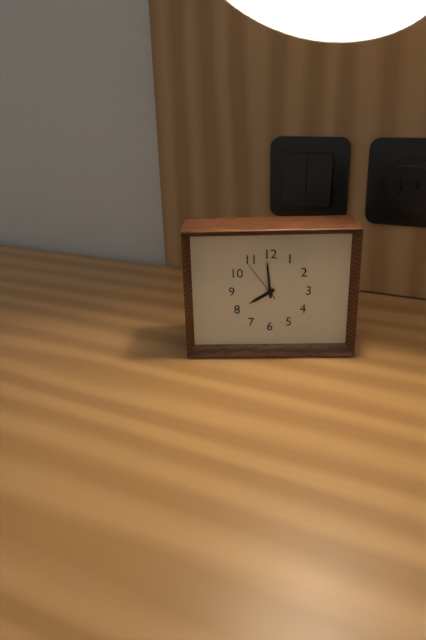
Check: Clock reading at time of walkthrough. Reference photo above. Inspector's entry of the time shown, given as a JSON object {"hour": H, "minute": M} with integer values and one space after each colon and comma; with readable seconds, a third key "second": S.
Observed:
{"hour": 7, "minute": 59}
